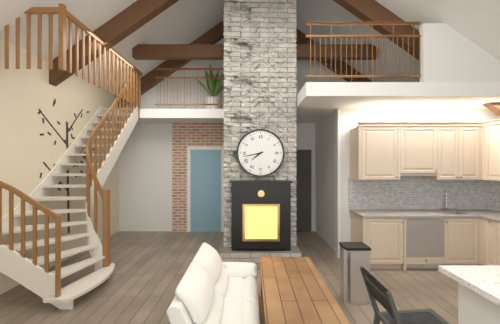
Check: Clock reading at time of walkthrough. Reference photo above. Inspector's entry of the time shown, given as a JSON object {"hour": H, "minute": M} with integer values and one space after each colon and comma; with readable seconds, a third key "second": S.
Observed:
{"hour": 7, "minute": 43}
